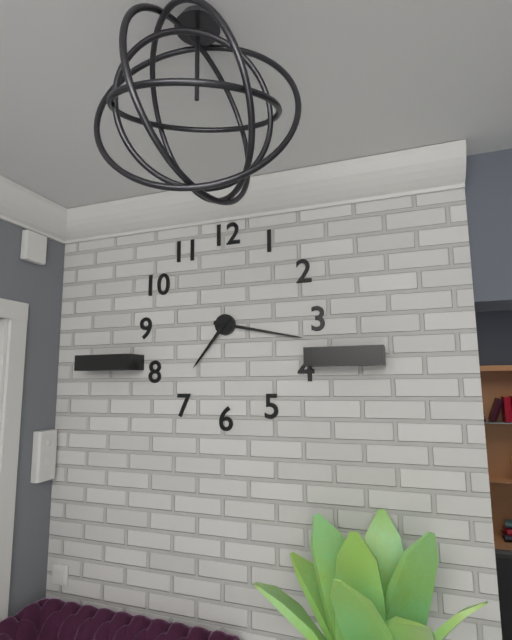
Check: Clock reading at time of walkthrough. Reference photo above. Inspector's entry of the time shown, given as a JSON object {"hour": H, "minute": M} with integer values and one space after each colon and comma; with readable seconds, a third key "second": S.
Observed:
{"hour": 7, "minute": 17}
